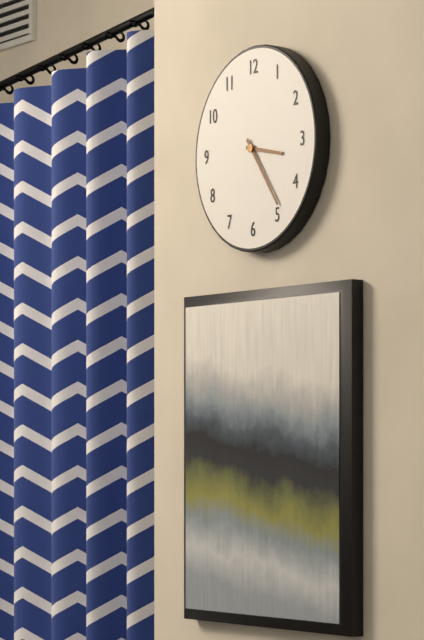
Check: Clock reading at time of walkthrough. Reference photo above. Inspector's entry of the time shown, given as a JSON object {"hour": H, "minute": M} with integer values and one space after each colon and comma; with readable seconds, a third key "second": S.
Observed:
{"hour": 3, "minute": 24}
